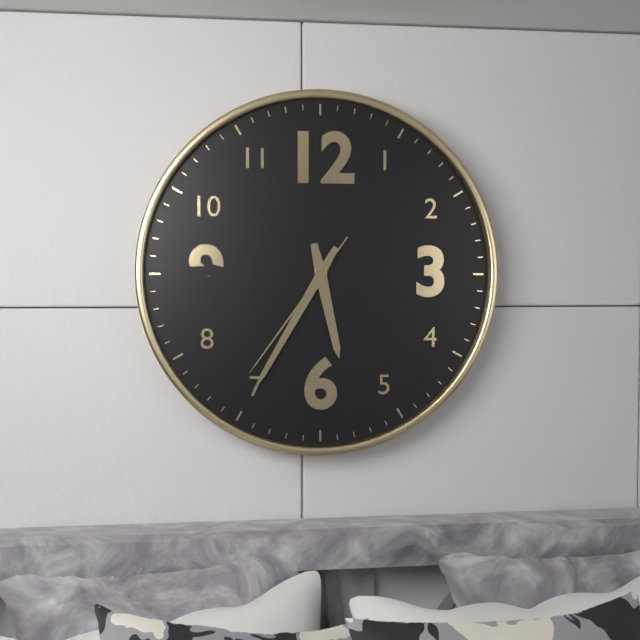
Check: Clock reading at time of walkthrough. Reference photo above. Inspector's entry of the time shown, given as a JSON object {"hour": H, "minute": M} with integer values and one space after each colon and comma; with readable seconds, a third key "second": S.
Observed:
{"hour": 5, "minute": 35, "second": 36}
